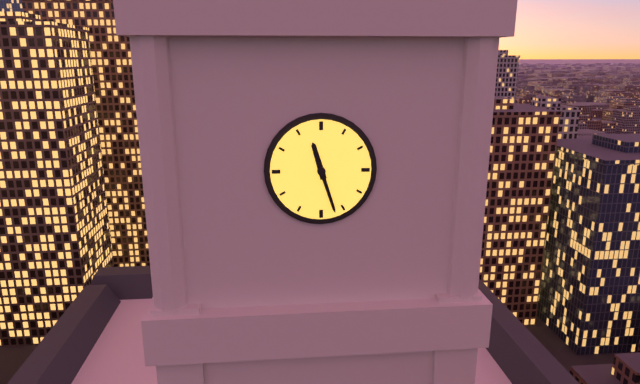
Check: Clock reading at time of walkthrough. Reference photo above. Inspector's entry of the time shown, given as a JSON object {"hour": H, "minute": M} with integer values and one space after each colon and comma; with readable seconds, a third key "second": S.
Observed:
{"hour": 11, "minute": 27}
